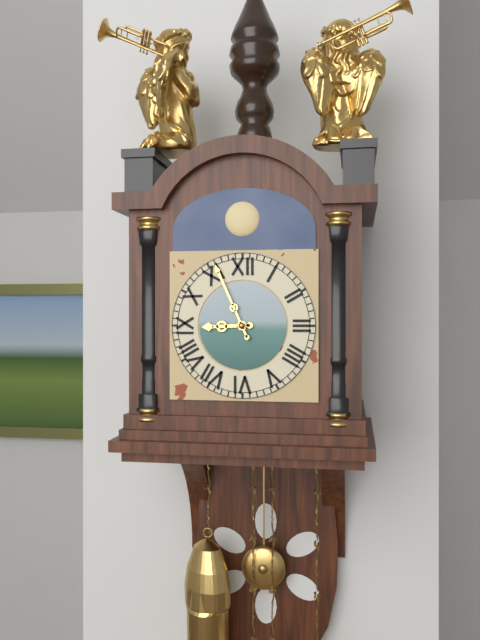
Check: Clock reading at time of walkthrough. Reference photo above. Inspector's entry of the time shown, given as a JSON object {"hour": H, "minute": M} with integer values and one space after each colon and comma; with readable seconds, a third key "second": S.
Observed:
{"hour": 8, "minute": 56}
